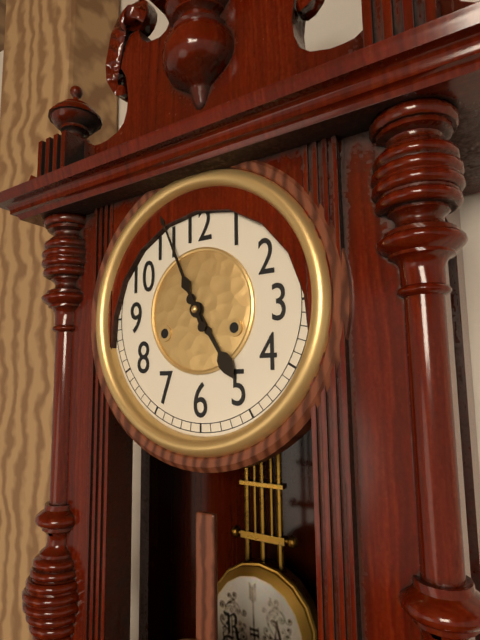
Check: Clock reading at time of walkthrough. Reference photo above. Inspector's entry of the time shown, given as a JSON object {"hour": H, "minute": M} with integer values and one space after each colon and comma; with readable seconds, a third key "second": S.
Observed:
{"hour": 4, "minute": 56}
